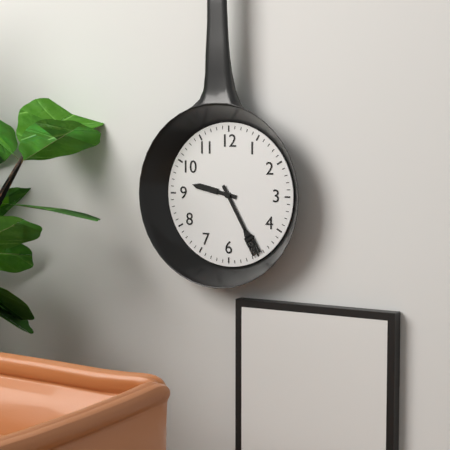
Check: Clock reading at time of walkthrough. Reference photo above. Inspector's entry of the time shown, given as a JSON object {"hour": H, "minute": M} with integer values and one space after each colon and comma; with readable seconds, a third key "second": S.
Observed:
{"hour": 9, "minute": 25}
